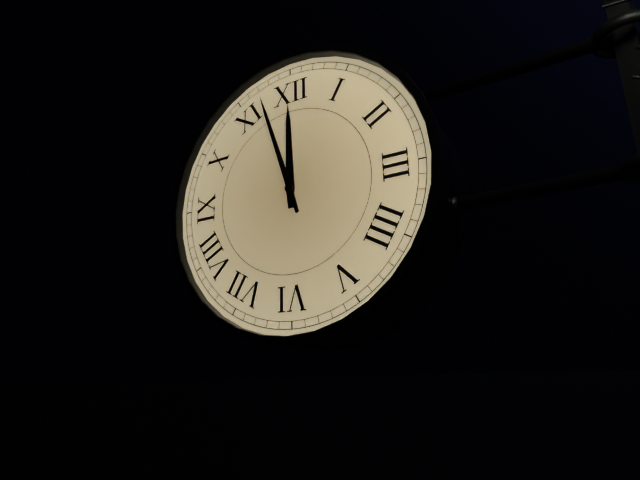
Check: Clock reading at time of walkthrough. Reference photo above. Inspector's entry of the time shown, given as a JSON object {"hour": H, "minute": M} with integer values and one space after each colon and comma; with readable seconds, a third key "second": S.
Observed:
{"hour": 11, "minute": 57}
